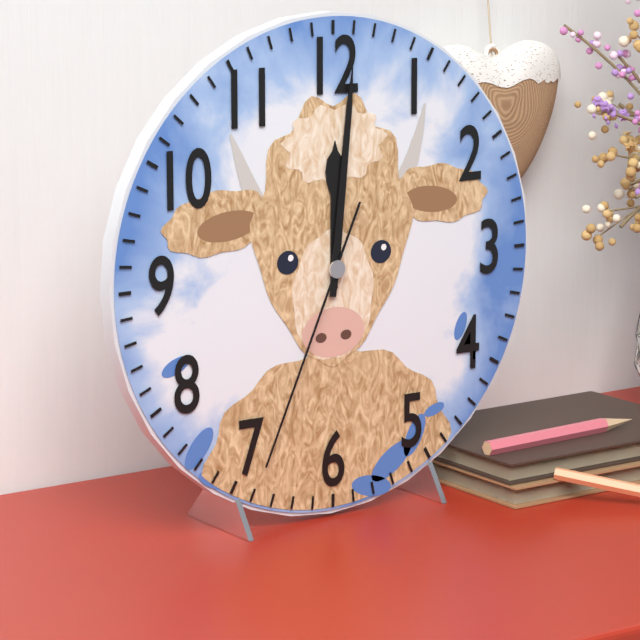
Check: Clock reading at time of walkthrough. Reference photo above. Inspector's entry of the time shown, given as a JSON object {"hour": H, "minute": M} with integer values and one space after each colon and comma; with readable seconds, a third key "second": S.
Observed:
{"hour": 12, "minute": 1, "second": 34}
